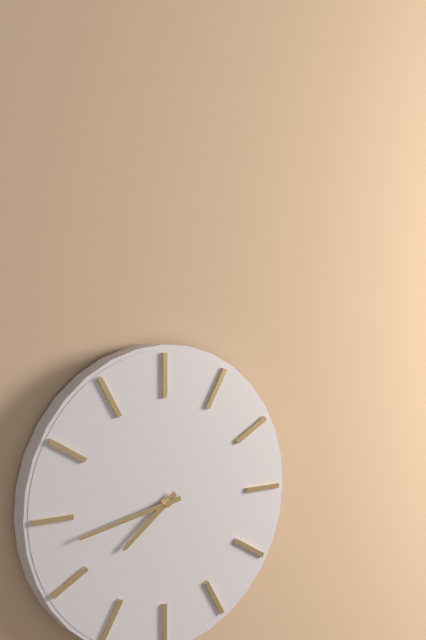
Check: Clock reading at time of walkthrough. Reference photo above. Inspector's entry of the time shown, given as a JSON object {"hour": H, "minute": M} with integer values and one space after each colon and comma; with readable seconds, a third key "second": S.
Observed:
{"hour": 7, "minute": 43}
